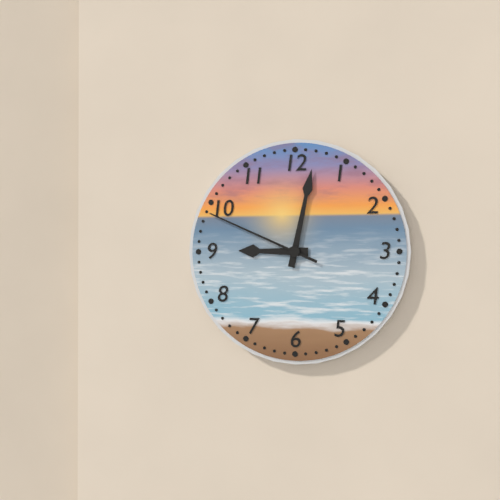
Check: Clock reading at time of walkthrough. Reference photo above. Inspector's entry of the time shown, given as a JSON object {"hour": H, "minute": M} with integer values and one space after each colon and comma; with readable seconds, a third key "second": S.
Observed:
{"hour": 9, "minute": 2, "second": 49}
